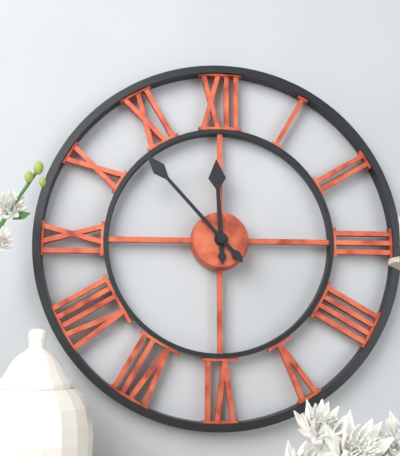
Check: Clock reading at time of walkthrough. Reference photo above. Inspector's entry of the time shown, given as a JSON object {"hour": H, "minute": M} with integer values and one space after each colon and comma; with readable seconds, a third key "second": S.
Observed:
{"hour": 11, "minute": 53}
